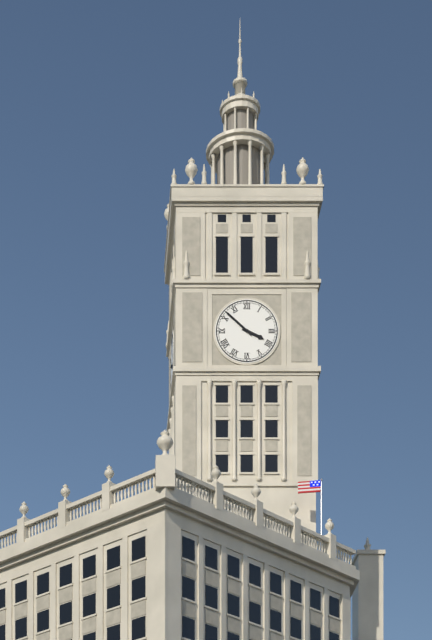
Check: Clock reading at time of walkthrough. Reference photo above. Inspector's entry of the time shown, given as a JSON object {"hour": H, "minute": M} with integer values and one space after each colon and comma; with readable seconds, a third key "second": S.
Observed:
{"hour": 3, "minute": 52}
